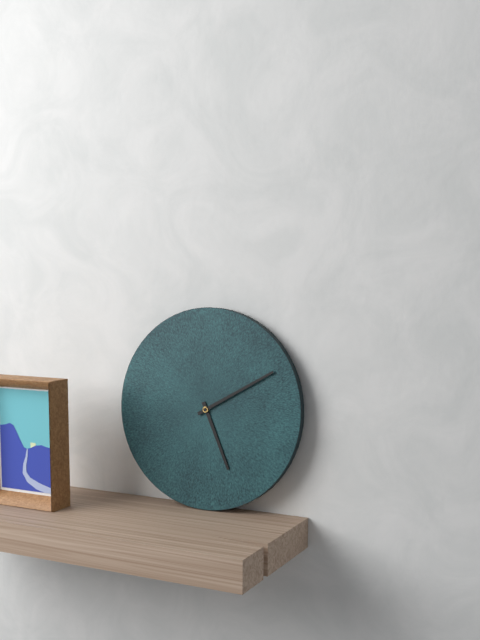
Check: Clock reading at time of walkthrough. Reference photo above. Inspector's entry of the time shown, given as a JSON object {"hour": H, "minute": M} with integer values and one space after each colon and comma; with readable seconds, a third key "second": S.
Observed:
{"hour": 5, "minute": 10}
